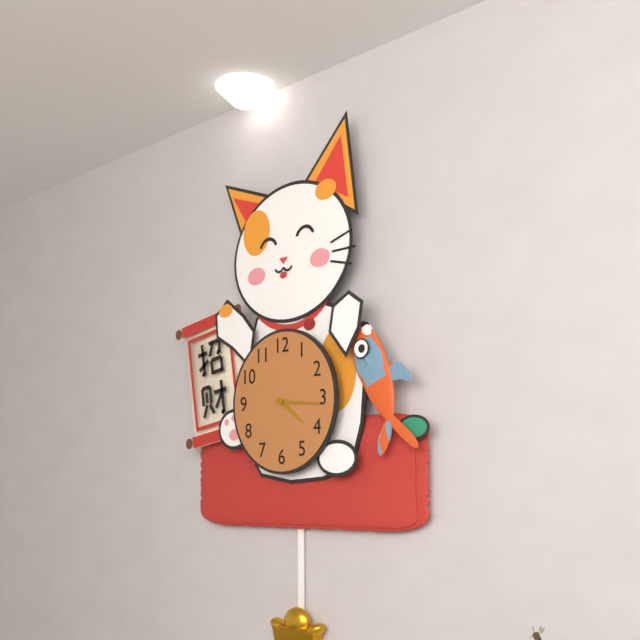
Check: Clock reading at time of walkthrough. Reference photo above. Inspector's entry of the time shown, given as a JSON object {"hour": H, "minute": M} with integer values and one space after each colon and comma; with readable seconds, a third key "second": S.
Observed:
{"hour": 4, "minute": 16}
